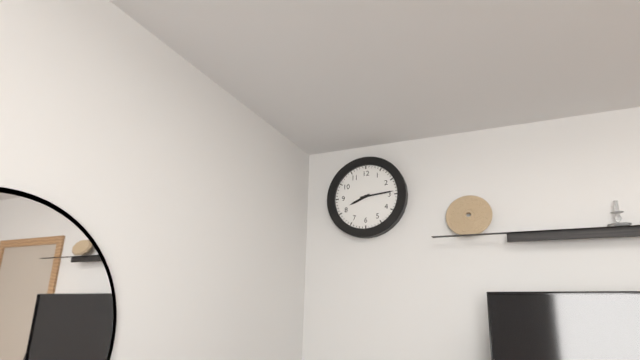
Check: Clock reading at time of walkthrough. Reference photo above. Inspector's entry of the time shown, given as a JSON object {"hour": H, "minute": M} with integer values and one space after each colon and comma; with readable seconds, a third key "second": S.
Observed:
{"hour": 8, "minute": 14}
